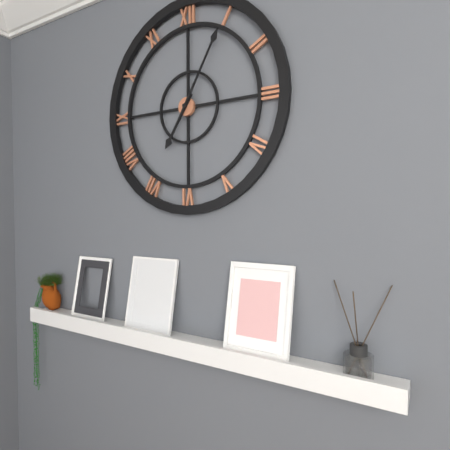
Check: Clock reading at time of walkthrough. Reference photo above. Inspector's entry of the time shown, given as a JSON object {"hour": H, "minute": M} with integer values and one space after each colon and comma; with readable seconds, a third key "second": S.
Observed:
{"hour": 7, "minute": 5}
